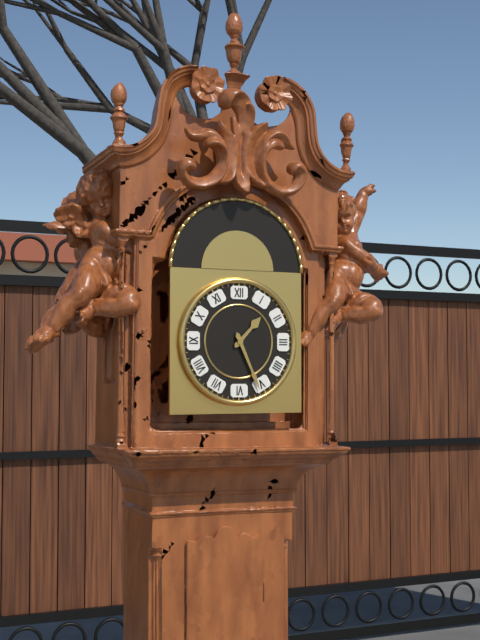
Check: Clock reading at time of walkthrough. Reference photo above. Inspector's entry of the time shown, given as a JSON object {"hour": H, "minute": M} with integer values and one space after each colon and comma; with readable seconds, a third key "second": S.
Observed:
{"hour": 1, "minute": 26}
